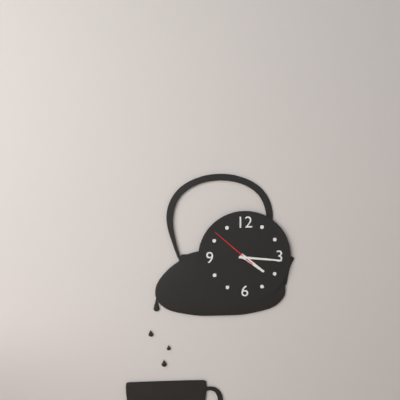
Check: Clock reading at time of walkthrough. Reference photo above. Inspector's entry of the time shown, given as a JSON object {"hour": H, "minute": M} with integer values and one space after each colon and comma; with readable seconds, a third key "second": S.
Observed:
{"hour": 4, "minute": 16}
